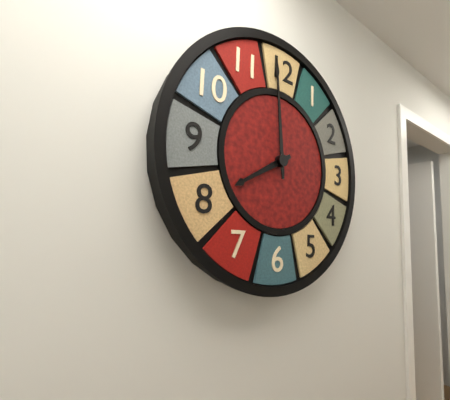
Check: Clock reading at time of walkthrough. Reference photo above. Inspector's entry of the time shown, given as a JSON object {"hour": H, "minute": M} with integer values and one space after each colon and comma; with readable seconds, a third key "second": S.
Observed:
{"hour": 7, "minute": 59}
